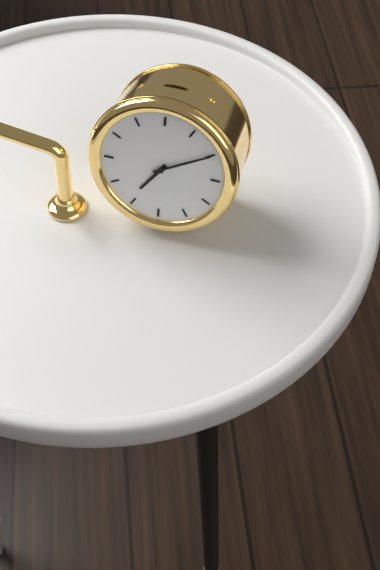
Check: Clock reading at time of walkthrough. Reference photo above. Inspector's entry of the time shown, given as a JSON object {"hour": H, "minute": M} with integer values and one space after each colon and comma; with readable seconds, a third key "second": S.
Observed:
{"hour": 7, "minute": 10}
